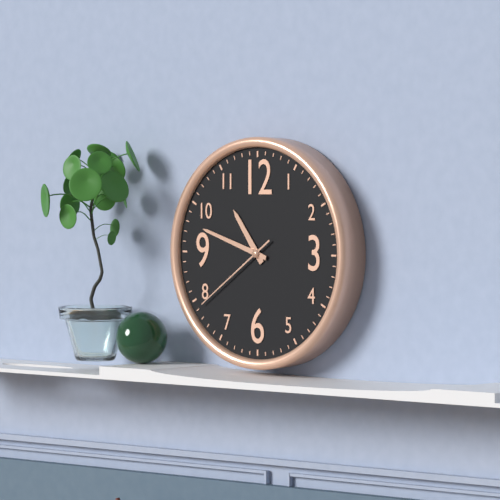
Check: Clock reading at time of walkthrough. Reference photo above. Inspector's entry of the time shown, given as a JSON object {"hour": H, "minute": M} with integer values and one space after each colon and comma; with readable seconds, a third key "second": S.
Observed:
{"hour": 10, "minute": 48, "second": 39}
